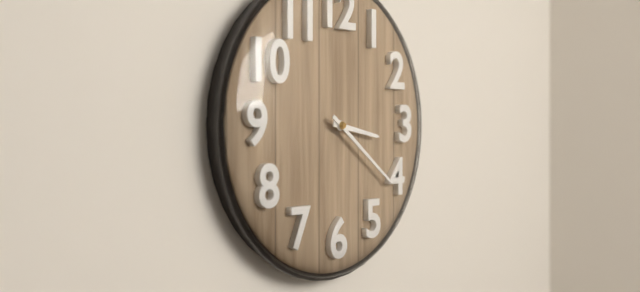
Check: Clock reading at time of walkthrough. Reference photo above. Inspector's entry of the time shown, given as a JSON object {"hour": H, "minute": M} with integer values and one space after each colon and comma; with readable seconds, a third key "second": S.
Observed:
{"hour": 3, "minute": 21}
